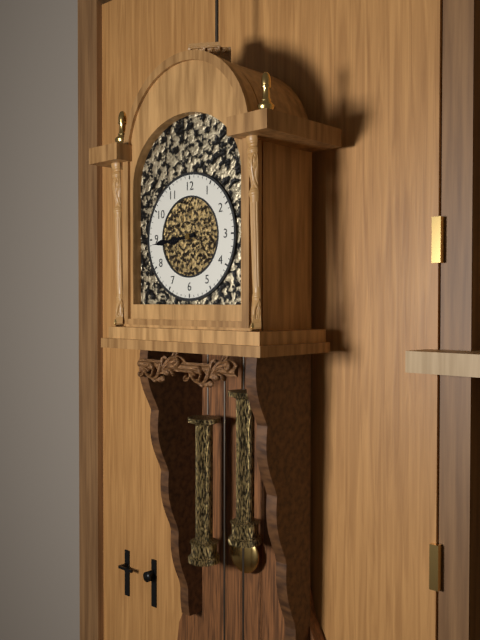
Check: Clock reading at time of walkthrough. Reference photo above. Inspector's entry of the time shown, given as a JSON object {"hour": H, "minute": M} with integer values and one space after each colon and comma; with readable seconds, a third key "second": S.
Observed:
{"hour": 8, "minute": 44}
